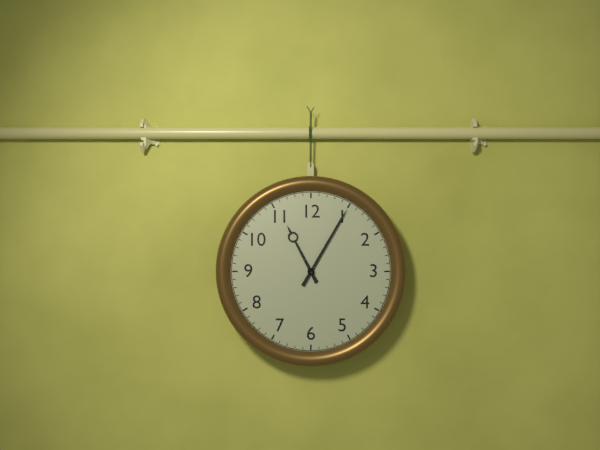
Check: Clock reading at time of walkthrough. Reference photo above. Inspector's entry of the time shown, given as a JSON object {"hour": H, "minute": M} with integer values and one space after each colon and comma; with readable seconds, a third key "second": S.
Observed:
{"hour": 11, "minute": 5}
